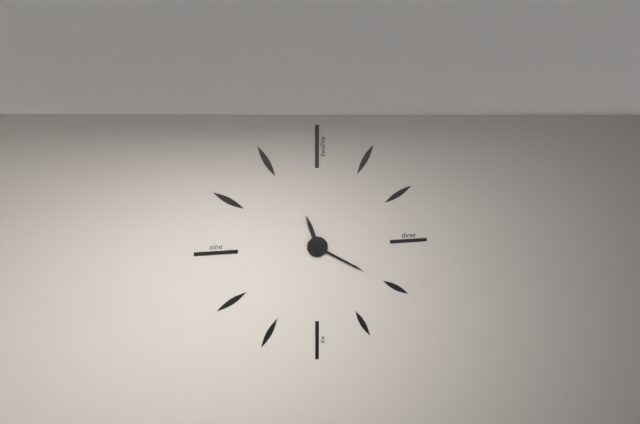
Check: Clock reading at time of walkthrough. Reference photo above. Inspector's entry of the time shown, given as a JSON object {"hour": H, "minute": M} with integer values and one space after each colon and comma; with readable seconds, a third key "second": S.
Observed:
{"hour": 11, "minute": 20}
